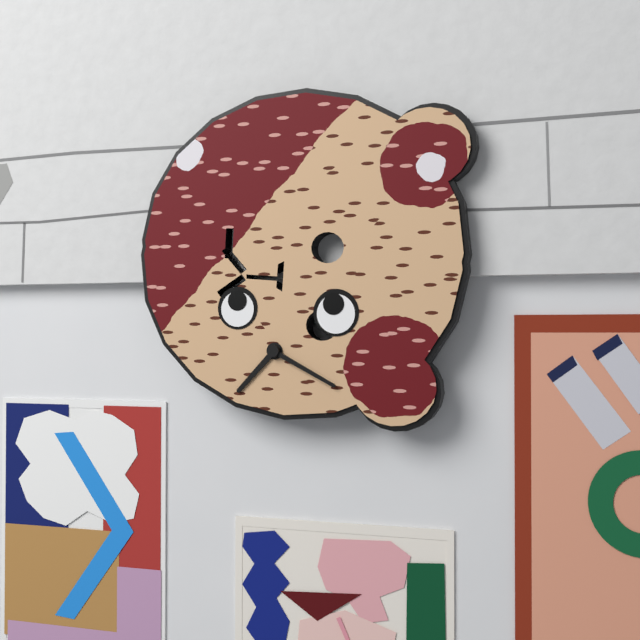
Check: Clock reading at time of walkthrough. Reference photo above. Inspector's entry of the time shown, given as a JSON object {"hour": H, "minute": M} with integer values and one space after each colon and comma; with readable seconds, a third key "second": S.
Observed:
{"hour": 7, "minute": 19}
